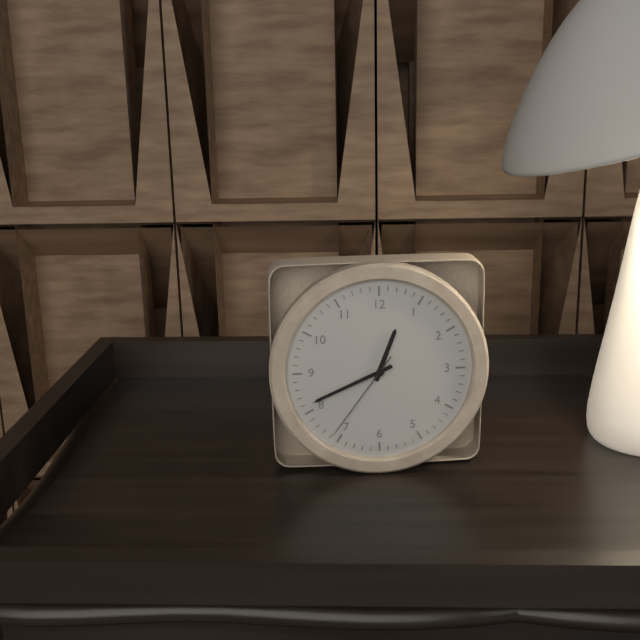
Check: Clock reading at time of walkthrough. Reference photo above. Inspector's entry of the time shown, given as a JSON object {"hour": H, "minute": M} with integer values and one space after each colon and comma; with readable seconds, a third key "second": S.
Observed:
{"hour": 12, "minute": 41, "second": 36}
